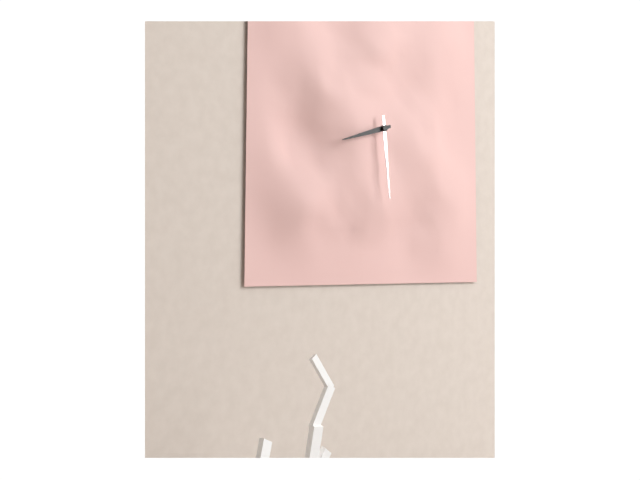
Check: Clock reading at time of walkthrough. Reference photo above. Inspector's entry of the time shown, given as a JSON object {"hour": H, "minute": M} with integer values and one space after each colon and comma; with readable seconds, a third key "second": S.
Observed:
{"hour": 8, "minute": 29}
